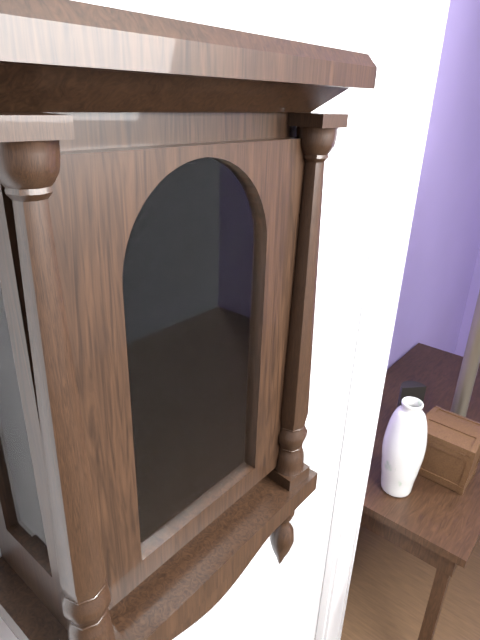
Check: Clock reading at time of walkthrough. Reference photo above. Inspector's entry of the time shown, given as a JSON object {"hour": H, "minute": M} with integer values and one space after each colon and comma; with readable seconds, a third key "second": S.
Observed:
{"hour": 1, "minute": 8}
